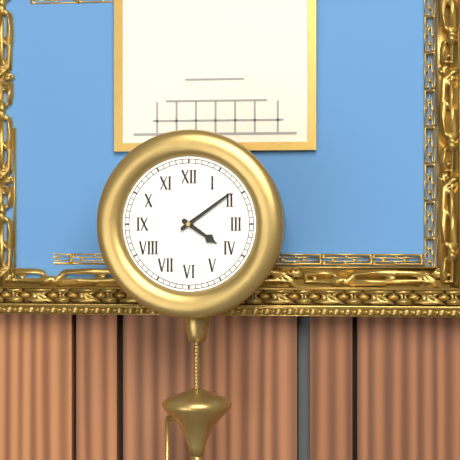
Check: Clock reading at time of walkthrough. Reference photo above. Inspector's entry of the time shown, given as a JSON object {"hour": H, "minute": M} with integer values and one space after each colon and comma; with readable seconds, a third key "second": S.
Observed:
{"hour": 4, "minute": 9}
